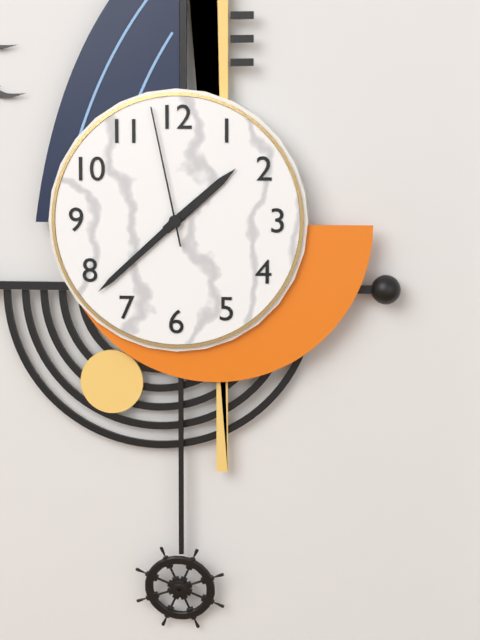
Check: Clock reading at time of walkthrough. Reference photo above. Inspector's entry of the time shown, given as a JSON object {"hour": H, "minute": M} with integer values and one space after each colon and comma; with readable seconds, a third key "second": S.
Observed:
{"hour": 1, "minute": 38, "second": 58}
